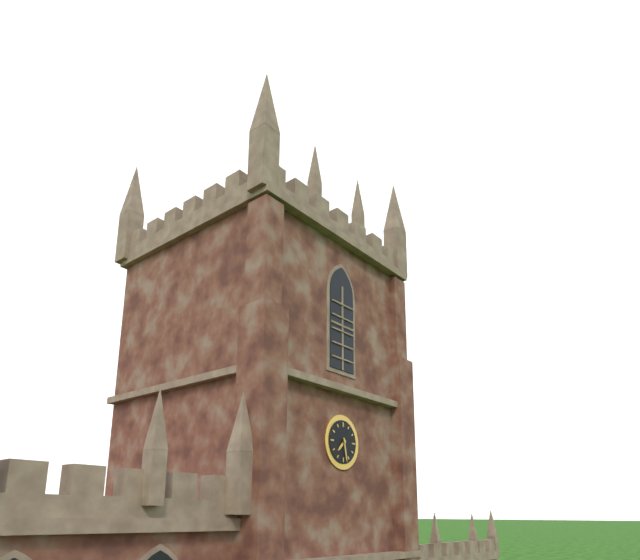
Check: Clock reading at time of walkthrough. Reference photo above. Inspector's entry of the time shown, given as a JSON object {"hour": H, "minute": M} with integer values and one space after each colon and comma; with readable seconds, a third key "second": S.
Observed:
{"hour": 7, "minute": 28}
